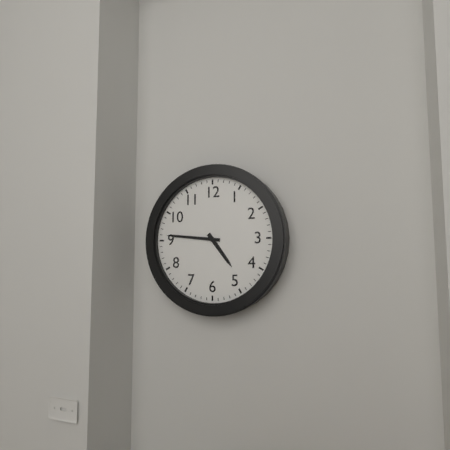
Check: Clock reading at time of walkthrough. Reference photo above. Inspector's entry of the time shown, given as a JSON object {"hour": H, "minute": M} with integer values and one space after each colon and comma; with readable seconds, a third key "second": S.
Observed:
{"hour": 4, "minute": 46}
